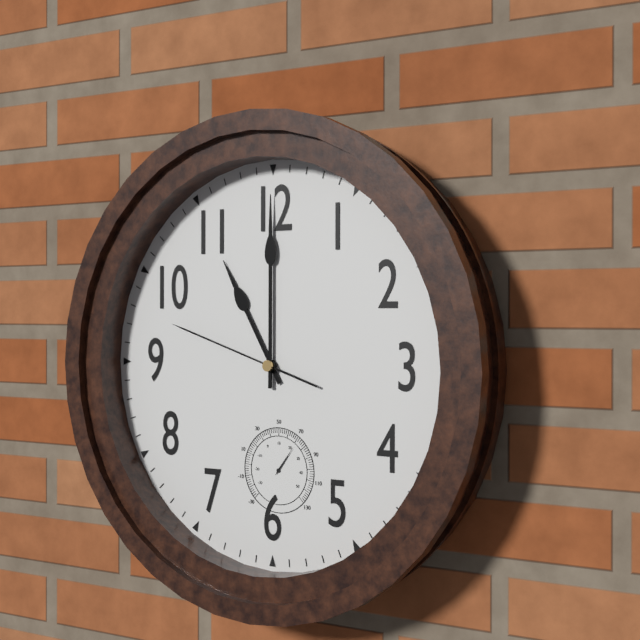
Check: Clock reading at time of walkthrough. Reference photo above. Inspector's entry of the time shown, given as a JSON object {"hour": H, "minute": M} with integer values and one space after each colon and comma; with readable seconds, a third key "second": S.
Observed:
{"hour": 11, "minute": 0, "second": 48}
